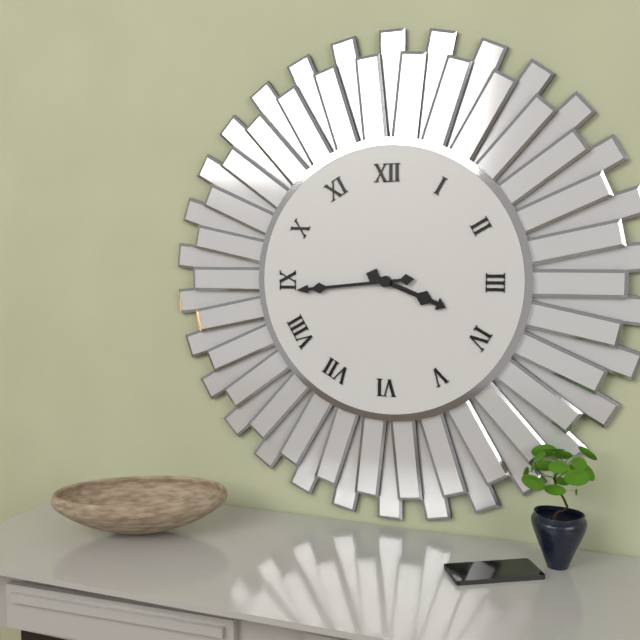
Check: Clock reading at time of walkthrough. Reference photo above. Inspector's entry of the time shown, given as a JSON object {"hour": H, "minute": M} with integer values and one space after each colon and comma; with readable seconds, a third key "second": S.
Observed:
{"hour": 3, "minute": 44}
